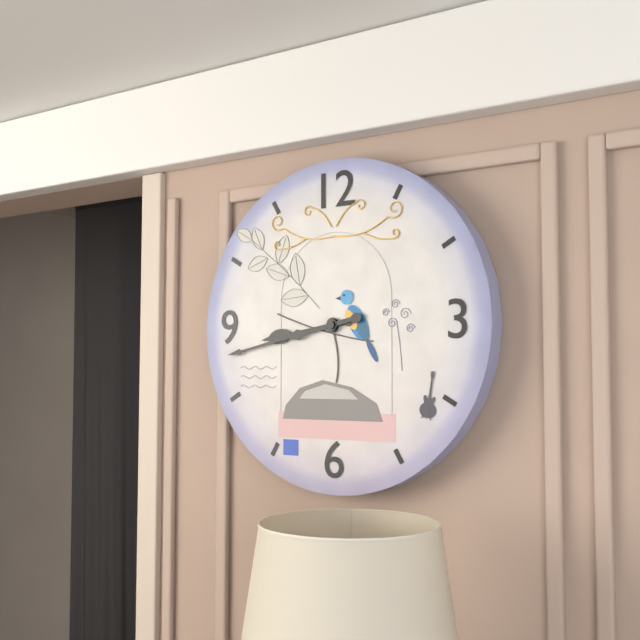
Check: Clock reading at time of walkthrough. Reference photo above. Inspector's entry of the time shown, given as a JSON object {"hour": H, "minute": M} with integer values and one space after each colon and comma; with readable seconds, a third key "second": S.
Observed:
{"hour": 8, "minute": 43}
